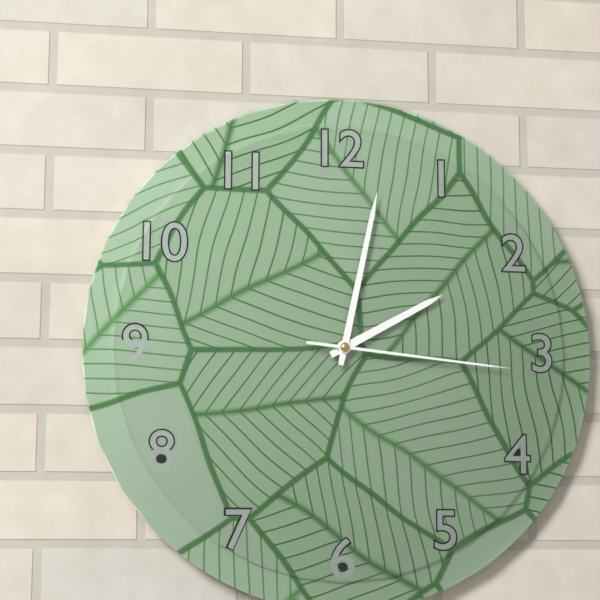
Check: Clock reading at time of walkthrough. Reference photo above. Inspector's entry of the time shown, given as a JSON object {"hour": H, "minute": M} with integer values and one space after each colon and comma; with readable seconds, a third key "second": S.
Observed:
{"hour": 2, "minute": 2, "second": 16}
